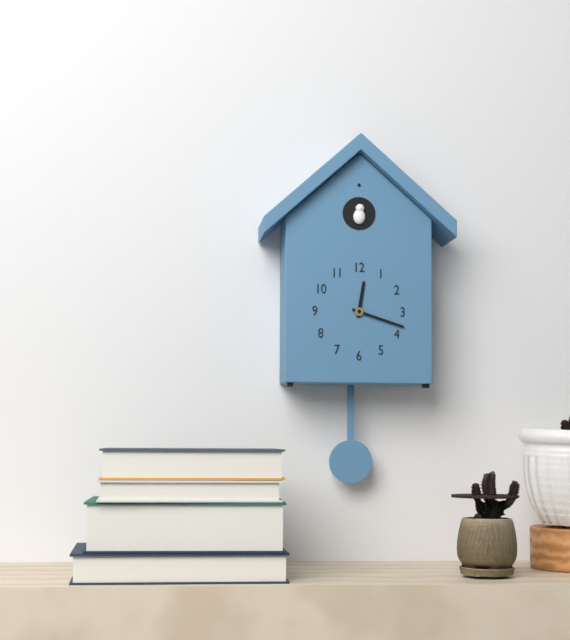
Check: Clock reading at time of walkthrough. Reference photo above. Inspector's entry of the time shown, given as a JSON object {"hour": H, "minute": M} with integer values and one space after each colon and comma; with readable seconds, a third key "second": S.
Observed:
{"hour": 12, "minute": 18}
